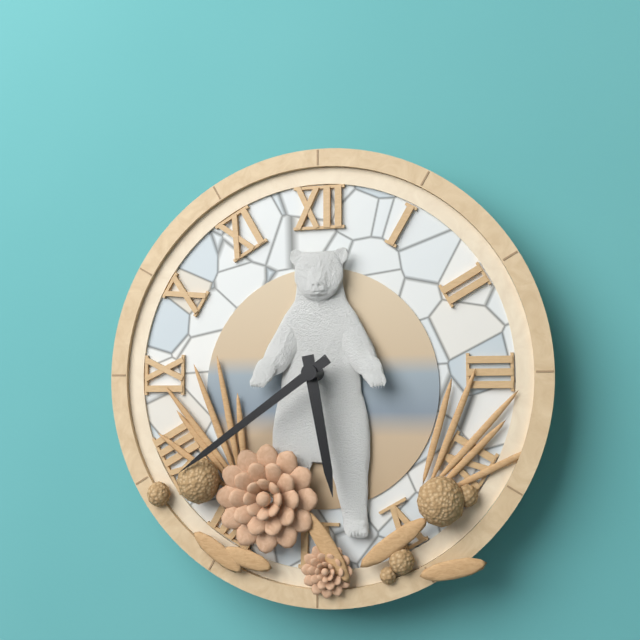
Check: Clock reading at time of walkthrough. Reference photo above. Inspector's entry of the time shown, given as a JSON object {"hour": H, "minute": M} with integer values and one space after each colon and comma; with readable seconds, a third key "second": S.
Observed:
{"hour": 5, "minute": 39}
